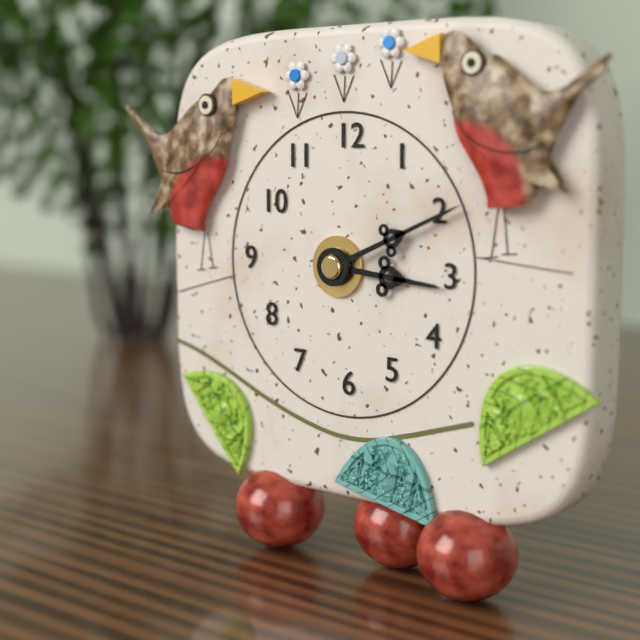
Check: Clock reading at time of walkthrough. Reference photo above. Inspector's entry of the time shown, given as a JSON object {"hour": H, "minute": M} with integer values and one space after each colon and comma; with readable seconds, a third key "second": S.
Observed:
{"hour": 3, "minute": 11}
